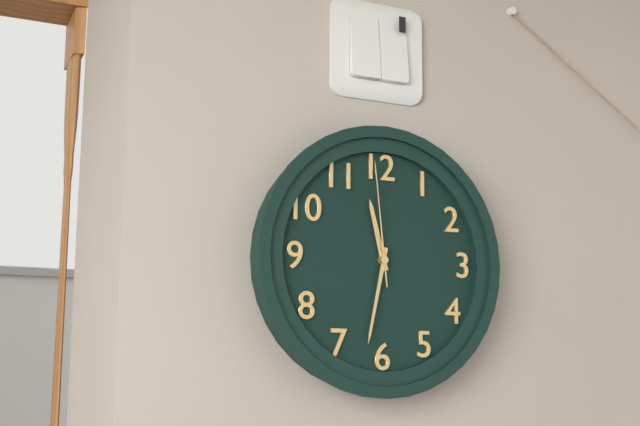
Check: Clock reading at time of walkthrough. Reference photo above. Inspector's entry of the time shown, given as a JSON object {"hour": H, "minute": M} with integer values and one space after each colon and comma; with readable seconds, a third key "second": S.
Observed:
{"hour": 11, "minute": 32, "second": 59}
